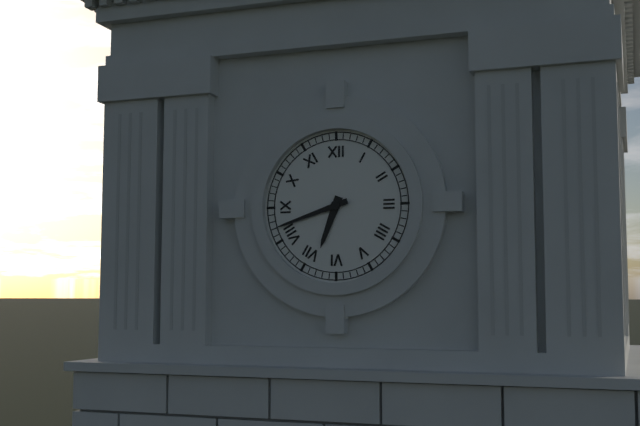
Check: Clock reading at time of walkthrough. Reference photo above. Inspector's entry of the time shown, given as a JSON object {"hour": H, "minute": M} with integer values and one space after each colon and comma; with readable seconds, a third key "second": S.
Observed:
{"hour": 6, "minute": 42}
